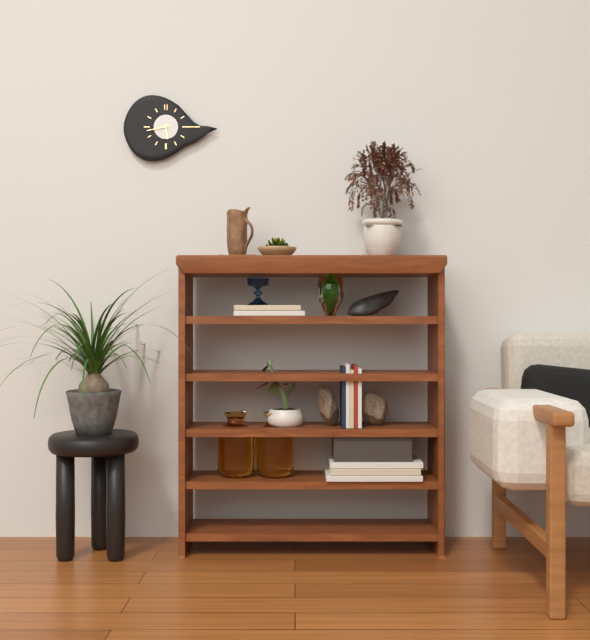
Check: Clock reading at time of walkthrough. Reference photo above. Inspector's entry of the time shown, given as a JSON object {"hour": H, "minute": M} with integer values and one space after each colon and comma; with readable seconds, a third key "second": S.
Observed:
{"hour": 5, "minute": 43}
